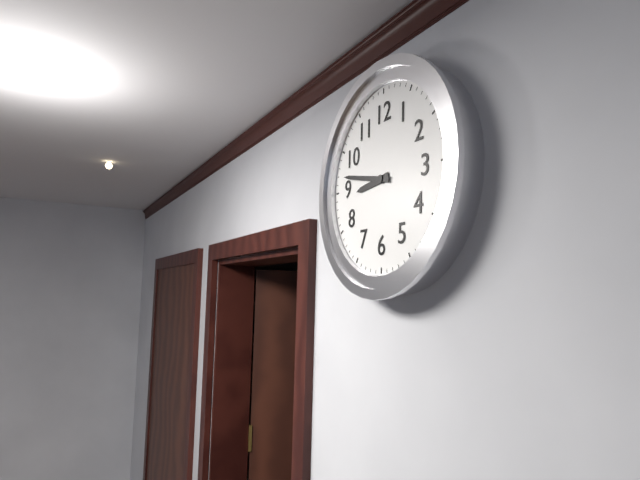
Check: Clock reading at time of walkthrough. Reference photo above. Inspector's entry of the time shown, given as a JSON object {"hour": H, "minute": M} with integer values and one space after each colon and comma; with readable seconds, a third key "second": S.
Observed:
{"hour": 8, "minute": 47}
